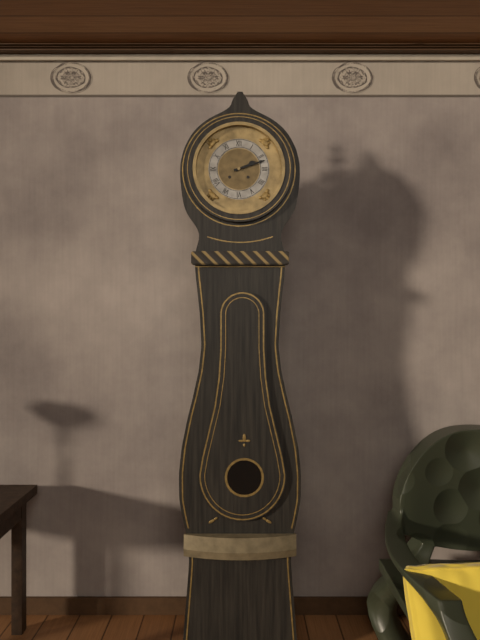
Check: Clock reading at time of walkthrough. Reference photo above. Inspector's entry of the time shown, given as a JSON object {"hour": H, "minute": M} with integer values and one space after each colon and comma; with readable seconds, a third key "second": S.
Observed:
{"hour": 2, "minute": 12}
